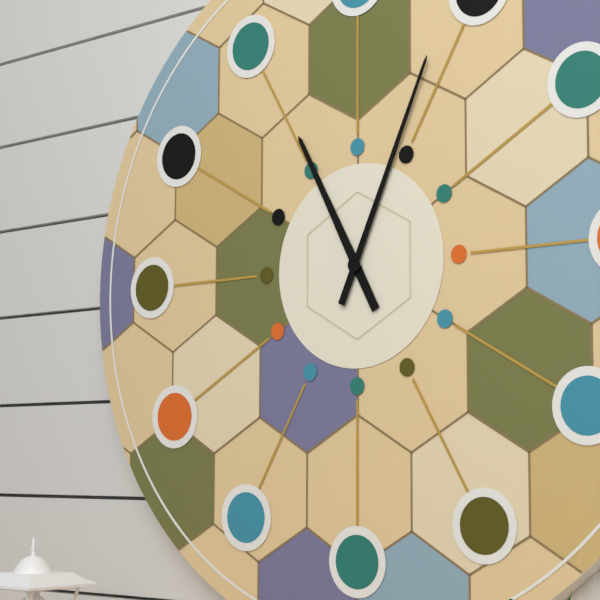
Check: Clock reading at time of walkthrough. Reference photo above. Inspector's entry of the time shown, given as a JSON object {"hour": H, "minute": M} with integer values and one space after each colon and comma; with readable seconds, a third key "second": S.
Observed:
{"hour": 11, "minute": 4}
